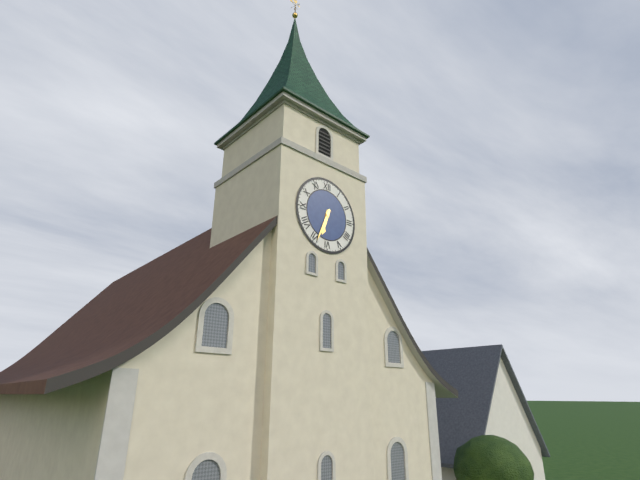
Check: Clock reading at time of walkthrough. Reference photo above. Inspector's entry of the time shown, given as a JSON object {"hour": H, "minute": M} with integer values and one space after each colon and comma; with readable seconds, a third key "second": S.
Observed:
{"hour": 6, "minute": 34}
